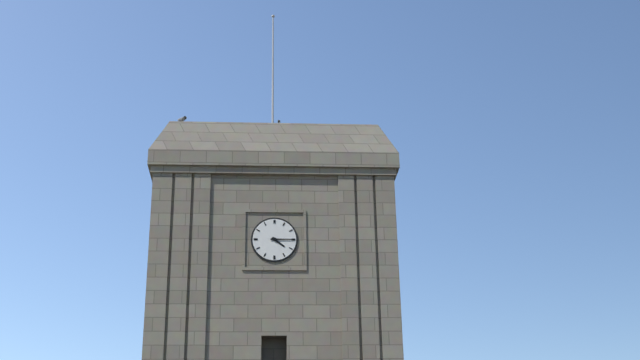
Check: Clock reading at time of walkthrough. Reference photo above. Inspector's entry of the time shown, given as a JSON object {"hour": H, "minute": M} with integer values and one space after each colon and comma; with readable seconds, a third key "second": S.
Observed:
{"hour": 4, "minute": 15}
